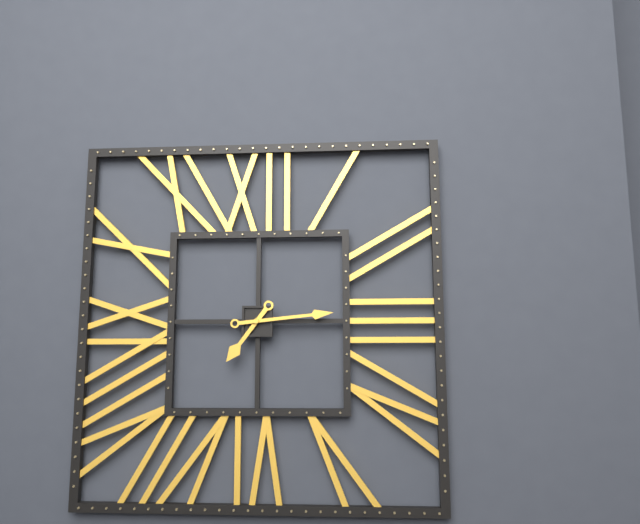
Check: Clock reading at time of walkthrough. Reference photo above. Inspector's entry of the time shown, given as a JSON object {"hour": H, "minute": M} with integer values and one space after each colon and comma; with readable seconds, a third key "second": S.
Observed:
{"hour": 7, "minute": 14}
